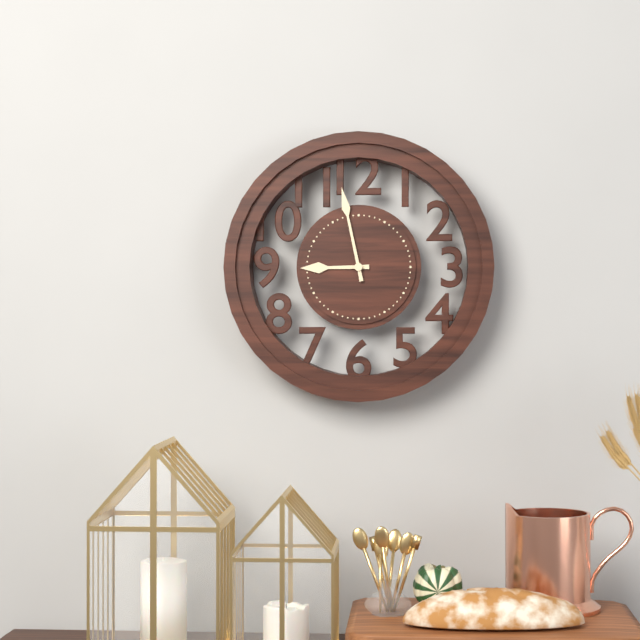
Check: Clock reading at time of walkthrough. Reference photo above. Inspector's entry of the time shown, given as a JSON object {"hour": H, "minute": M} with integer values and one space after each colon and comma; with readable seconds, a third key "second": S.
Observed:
{"hour": 8, "minute": 58}
